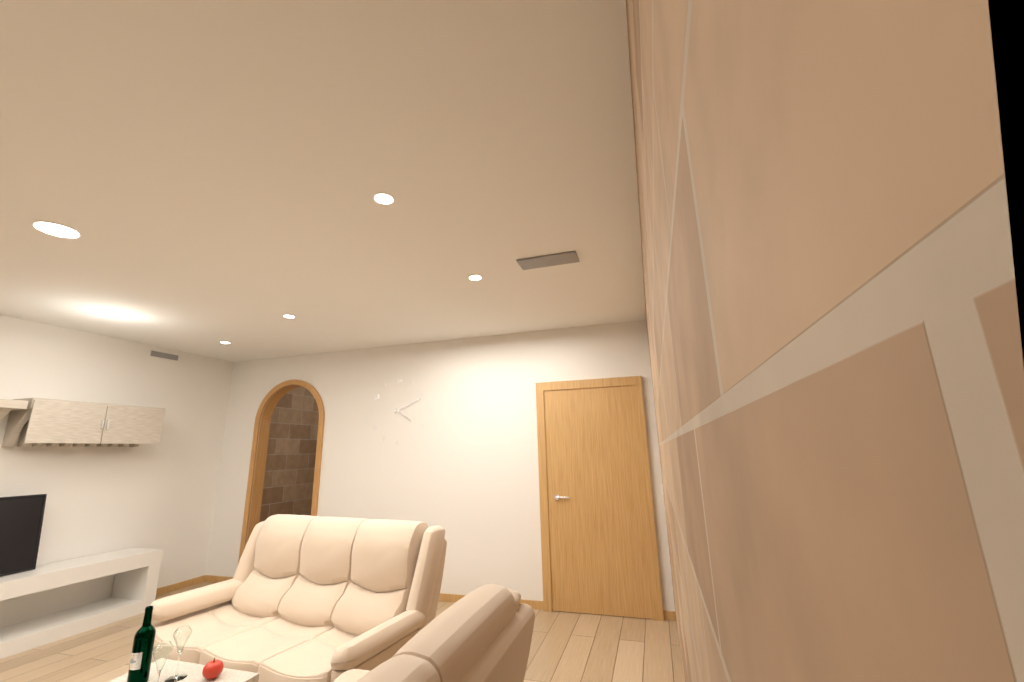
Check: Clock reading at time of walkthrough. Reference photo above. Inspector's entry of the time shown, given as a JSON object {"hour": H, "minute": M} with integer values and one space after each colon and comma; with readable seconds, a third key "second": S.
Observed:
{"hour": 4, "minute": 11}
